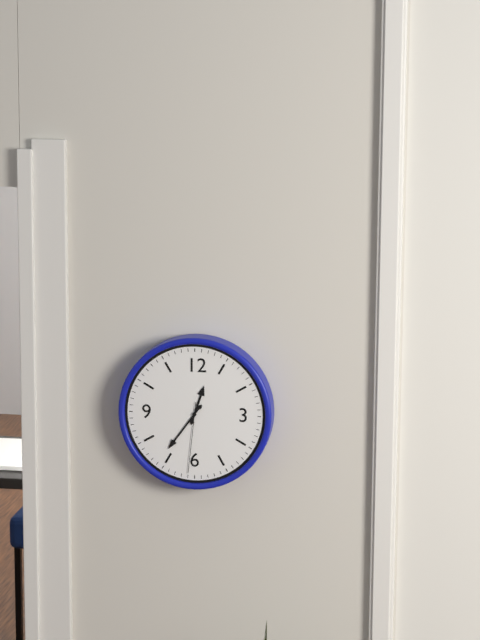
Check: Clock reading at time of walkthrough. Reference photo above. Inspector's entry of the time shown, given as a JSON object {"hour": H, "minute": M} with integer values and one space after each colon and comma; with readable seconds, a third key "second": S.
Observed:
{"hour": 12, "minute": 36, "second": 31}
